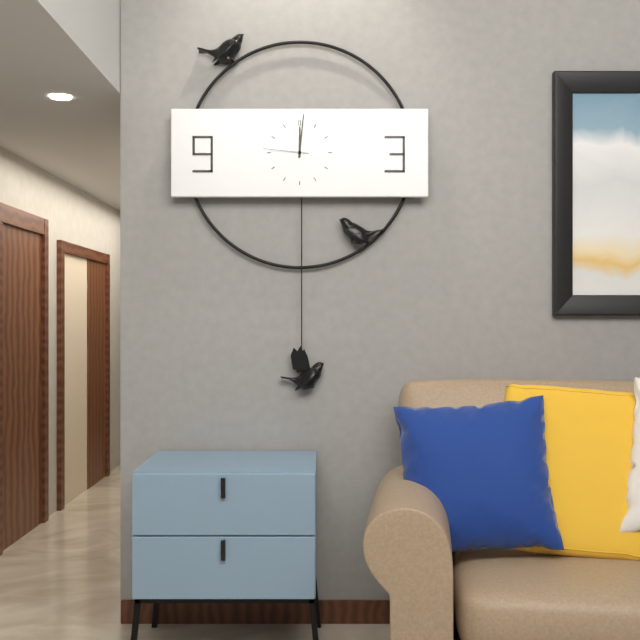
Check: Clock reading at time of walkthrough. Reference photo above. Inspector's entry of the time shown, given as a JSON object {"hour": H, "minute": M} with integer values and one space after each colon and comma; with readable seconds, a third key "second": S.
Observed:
{"hour": 12, "minute": 1}
